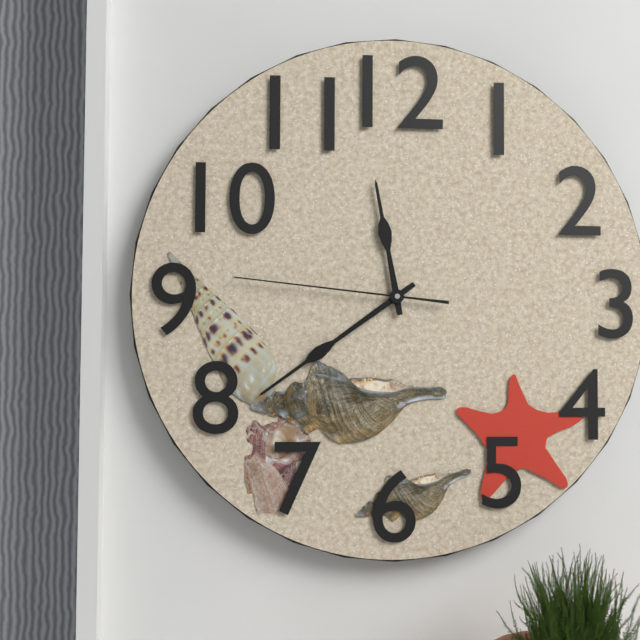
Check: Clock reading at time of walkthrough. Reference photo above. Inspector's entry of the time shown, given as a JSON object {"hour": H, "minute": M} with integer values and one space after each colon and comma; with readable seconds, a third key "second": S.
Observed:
{"hour": 11, "minute": 39, "second": 46}
